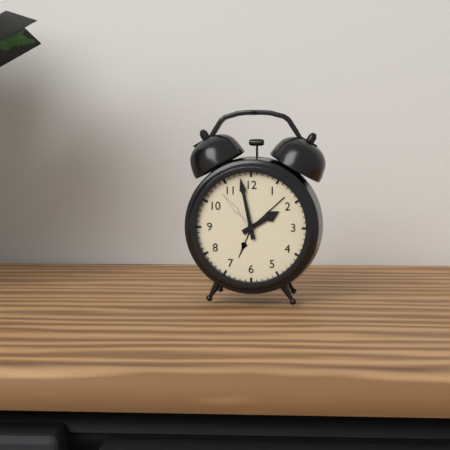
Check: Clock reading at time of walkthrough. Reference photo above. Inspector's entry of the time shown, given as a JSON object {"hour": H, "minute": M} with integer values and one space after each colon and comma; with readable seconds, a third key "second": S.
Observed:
{"hour": 1, "minute": 58}
